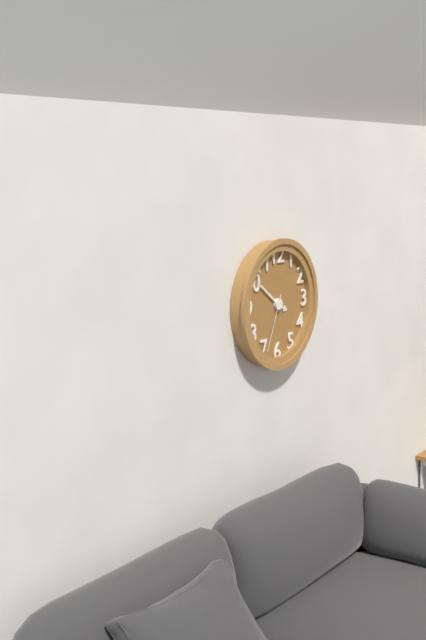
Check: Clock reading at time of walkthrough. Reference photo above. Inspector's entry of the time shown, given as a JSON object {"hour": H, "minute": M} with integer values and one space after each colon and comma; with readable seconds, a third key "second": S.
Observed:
{"hour": 3, "minute": 51, "second": 34}
